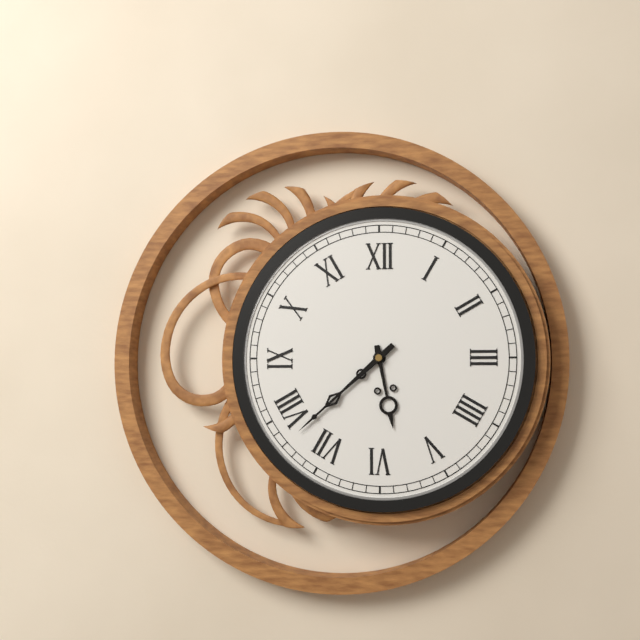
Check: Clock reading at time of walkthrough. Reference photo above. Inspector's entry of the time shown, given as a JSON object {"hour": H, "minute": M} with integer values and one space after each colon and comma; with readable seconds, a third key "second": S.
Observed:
{"hour": 5, "minute": 38}
